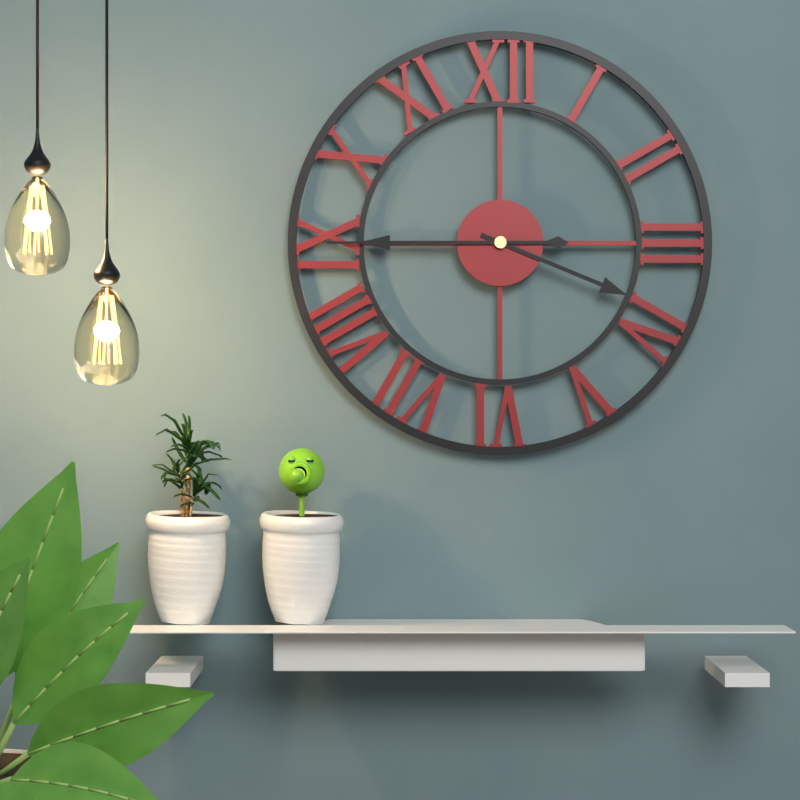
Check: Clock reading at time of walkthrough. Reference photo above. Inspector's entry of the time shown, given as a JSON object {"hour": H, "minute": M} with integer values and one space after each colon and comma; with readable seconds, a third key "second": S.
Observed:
{"hour": 3, "minute": 45}
